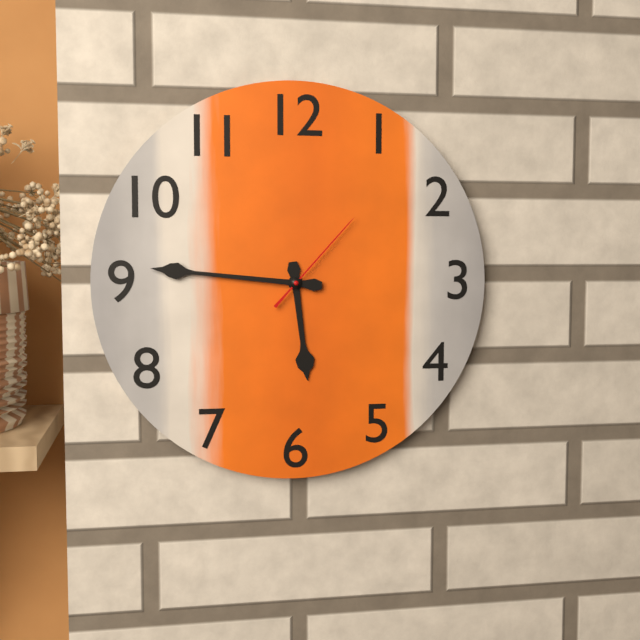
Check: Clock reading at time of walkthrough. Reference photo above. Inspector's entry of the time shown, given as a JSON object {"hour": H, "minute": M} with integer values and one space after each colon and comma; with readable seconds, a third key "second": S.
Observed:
{"hour": 5, "minute": 46, "second": 7}
